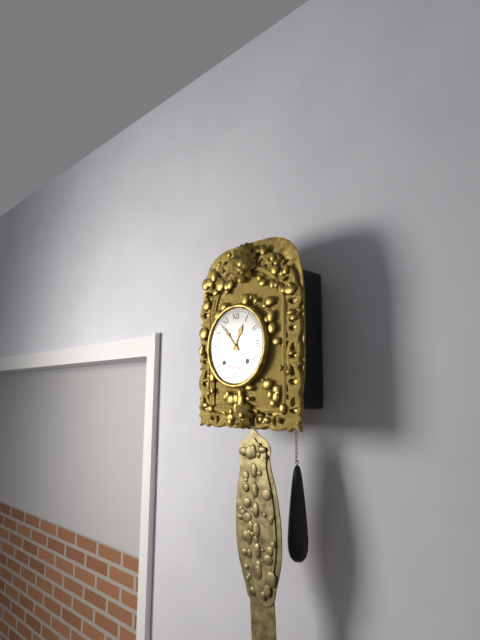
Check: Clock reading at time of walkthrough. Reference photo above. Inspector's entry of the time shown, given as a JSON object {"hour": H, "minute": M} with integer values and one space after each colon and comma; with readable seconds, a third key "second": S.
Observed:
{"hour": 12, "minute": 53}
